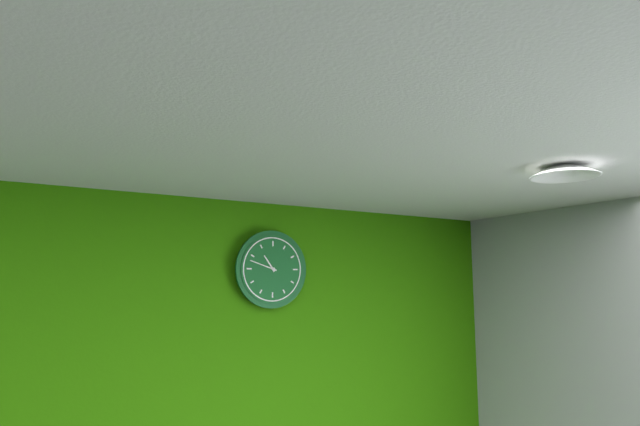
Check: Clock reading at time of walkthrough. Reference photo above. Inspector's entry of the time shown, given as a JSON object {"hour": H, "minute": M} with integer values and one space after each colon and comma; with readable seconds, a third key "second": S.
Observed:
{"hour": 10, "minute": 48}
